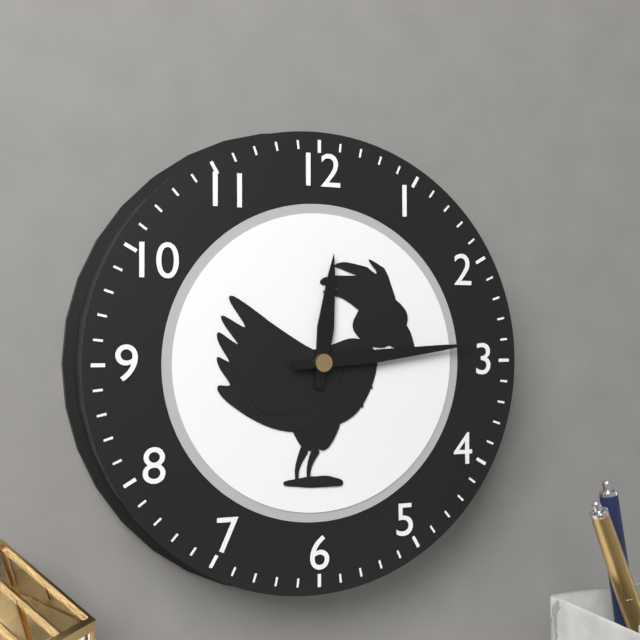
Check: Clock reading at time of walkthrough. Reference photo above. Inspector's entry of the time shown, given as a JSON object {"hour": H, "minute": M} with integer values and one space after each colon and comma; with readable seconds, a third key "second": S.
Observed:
{"hour": 12, "minute": 14}
